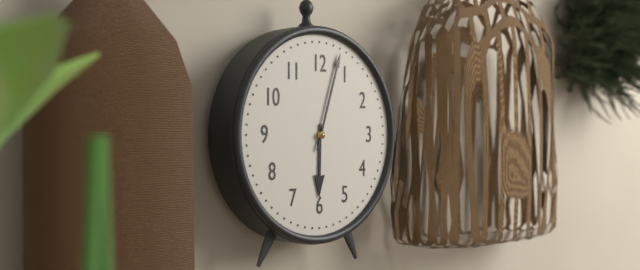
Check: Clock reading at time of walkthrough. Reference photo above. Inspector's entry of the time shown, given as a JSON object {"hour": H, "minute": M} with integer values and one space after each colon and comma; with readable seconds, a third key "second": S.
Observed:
{"hour": 6, "minute": 3}
